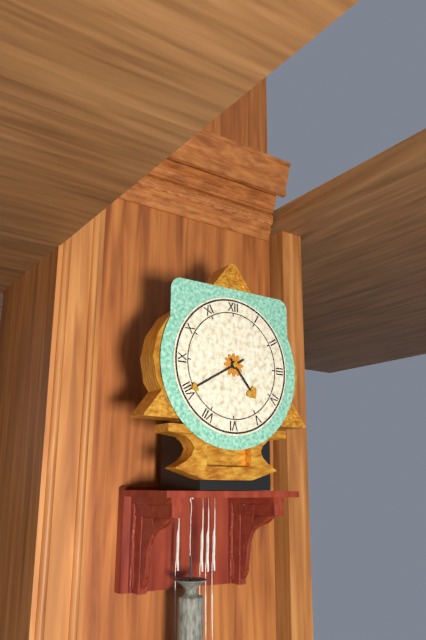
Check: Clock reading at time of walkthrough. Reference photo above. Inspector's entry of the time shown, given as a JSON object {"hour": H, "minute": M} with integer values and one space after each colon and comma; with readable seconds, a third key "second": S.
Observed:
{"hour": 4, "minute": 40}
